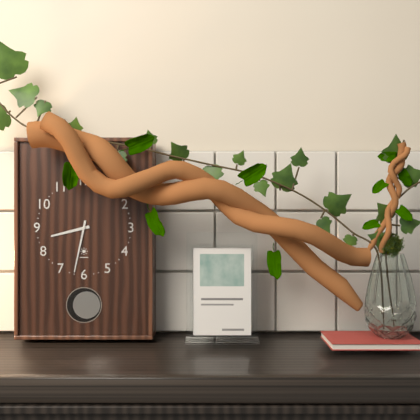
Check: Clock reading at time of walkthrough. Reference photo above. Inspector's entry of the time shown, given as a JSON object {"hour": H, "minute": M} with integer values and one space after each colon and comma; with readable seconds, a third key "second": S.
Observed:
{"hour": 8, "minute": 32}
